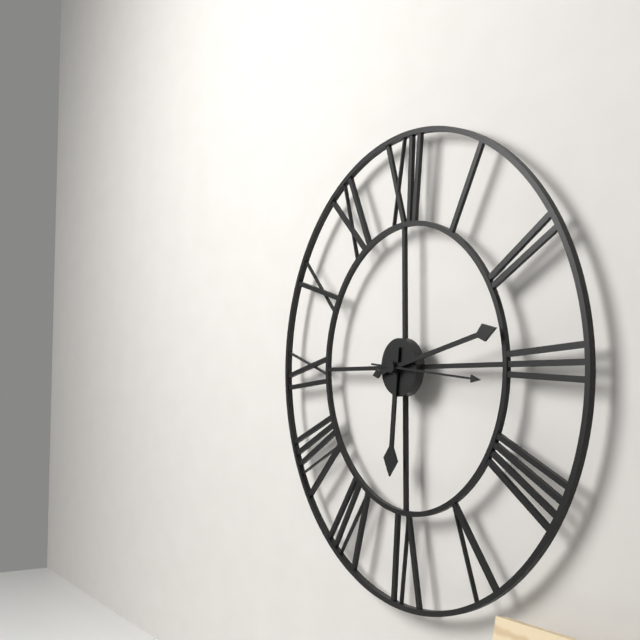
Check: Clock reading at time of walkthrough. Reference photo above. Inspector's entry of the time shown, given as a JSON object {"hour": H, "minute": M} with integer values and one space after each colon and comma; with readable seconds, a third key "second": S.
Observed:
{"hour": 6, "minute": 13, "second": 16}
